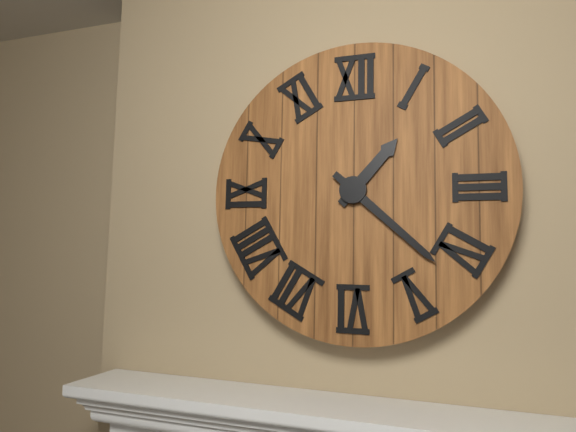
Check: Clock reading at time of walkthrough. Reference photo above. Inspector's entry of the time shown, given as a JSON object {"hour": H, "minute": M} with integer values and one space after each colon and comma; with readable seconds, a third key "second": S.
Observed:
{"hour": 1, "minute": 22}
